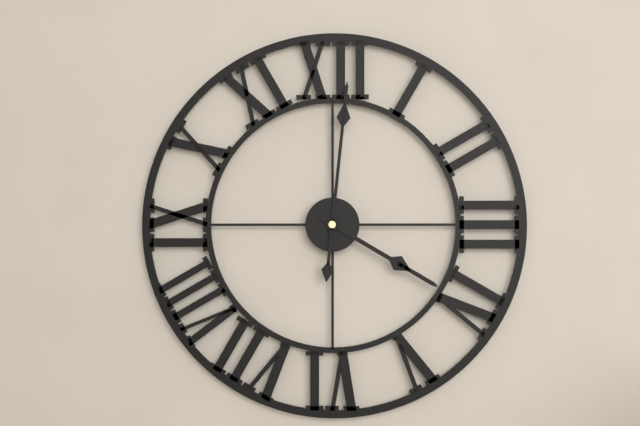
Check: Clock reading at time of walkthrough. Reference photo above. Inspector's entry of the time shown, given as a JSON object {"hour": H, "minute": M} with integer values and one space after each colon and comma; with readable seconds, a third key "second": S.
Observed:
{"hour": 4, "minute": 1}
